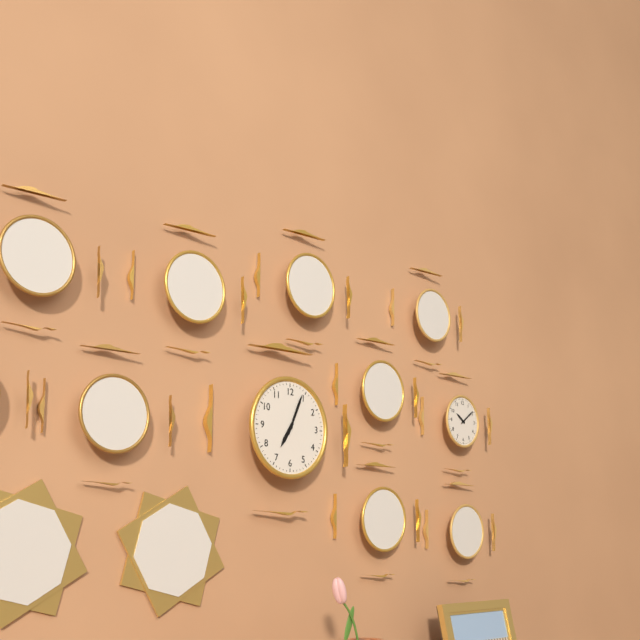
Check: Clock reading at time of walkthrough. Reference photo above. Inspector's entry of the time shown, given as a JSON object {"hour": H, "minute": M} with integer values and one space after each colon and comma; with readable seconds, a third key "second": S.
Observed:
{"hour": 7, "minute": 4}
